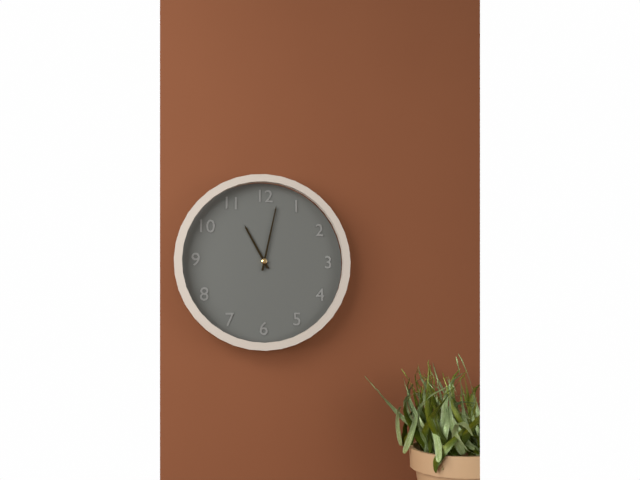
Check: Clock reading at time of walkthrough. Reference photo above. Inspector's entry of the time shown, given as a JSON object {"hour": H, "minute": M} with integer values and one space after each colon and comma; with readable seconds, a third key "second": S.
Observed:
{"hour": 11, "minute": 2}
